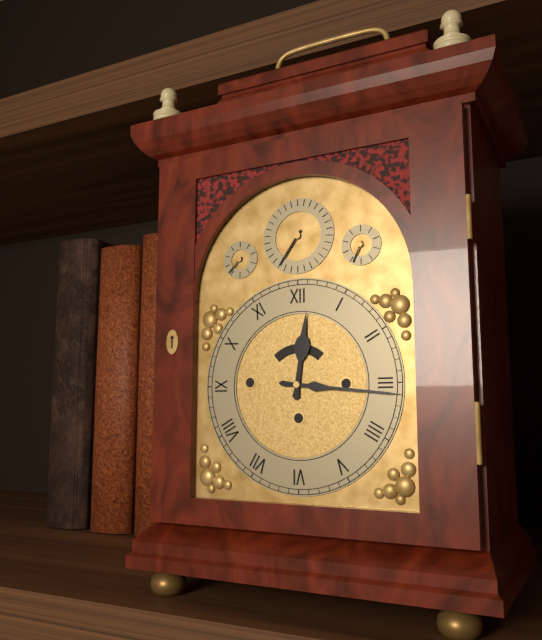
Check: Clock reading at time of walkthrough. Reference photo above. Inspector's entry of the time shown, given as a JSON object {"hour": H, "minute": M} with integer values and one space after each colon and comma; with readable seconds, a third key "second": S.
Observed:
{"hour": 12, "minute": 16}
